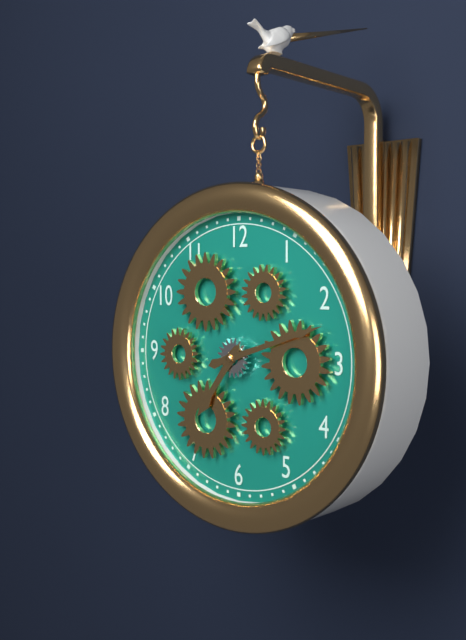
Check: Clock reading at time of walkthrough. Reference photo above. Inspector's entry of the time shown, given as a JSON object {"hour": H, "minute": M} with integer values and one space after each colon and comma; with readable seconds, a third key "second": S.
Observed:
{"hour": 7, "minute": 12}
